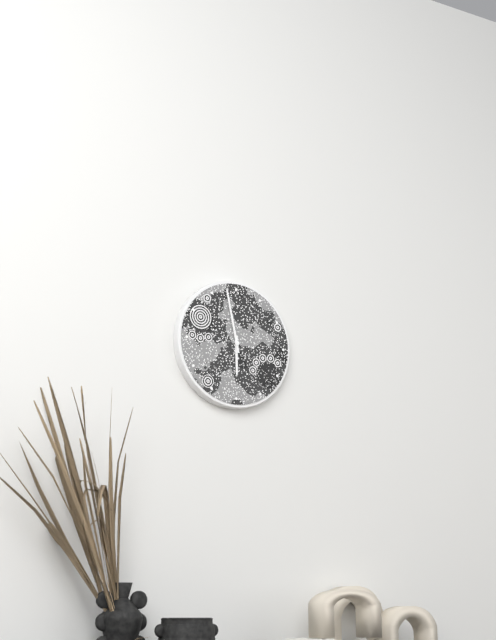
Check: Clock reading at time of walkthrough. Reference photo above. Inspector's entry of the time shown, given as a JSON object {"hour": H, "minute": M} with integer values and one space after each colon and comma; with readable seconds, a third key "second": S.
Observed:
{"hour": 5, "minute": 58}
